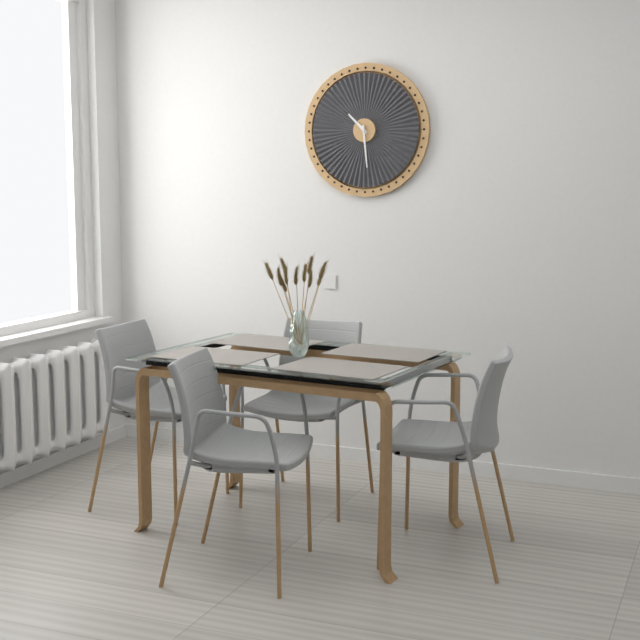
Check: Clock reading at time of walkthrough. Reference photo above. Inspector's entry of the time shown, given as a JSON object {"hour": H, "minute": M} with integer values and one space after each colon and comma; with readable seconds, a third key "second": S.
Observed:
{"hour": 10, "minute": 29}
